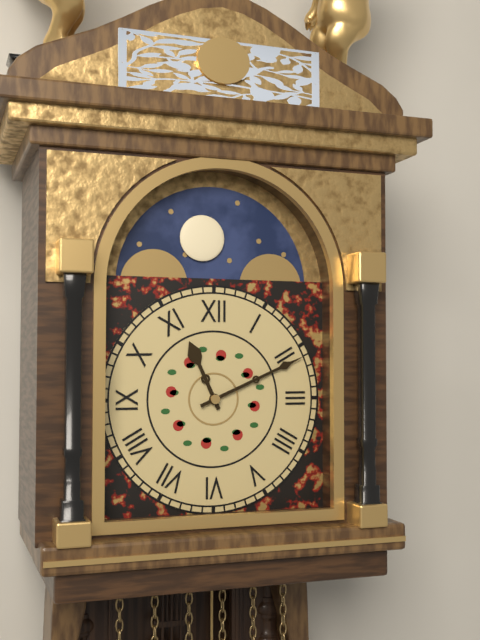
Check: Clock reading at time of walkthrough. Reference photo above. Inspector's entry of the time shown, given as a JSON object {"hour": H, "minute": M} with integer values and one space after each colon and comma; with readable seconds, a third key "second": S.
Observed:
{"hour": 11, "minute": 11}
